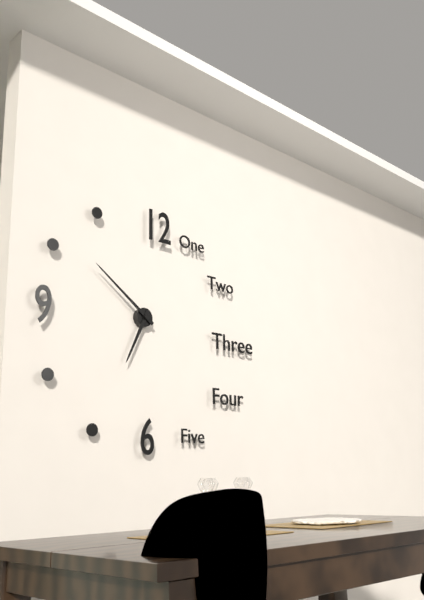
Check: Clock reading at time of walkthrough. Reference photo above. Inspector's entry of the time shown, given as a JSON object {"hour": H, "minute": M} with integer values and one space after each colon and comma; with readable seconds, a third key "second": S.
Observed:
{"hour": 6, "minute": 51}
